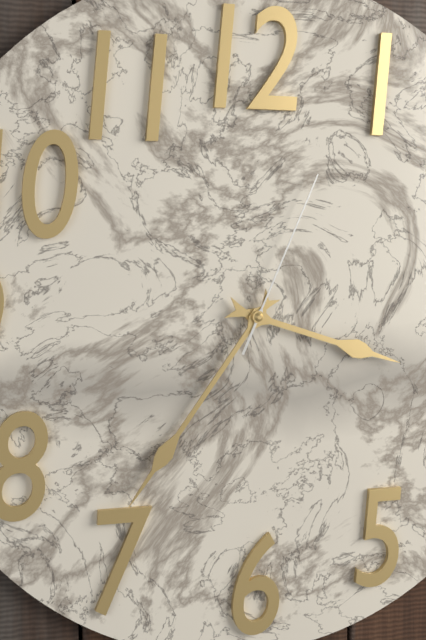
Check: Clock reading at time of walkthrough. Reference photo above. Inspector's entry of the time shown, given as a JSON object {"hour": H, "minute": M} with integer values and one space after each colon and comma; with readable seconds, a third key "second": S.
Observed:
{"hour": 3, "minute": 36, "second": 4}
